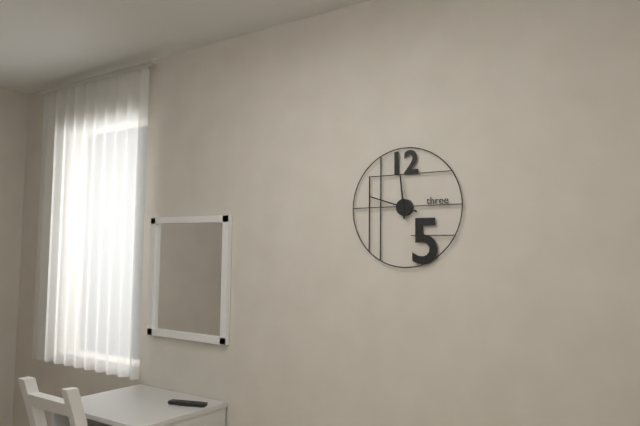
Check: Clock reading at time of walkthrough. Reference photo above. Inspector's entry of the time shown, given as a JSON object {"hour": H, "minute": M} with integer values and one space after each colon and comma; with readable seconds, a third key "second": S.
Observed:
{"hour": 11, "minute": 48}
